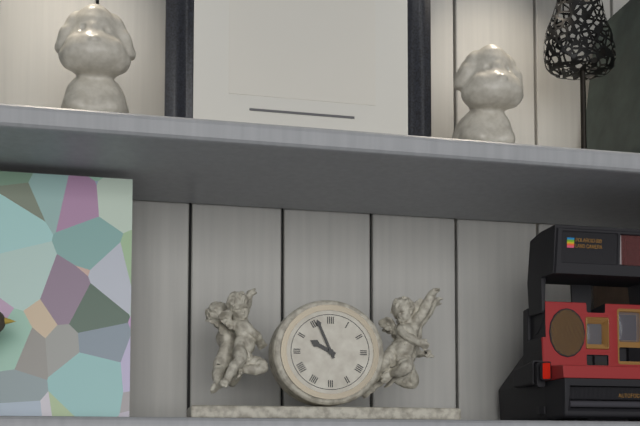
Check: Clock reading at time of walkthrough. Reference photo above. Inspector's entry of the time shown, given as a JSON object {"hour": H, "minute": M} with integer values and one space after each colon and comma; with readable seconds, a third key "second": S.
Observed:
{"hour": 9, "minute": 56}
